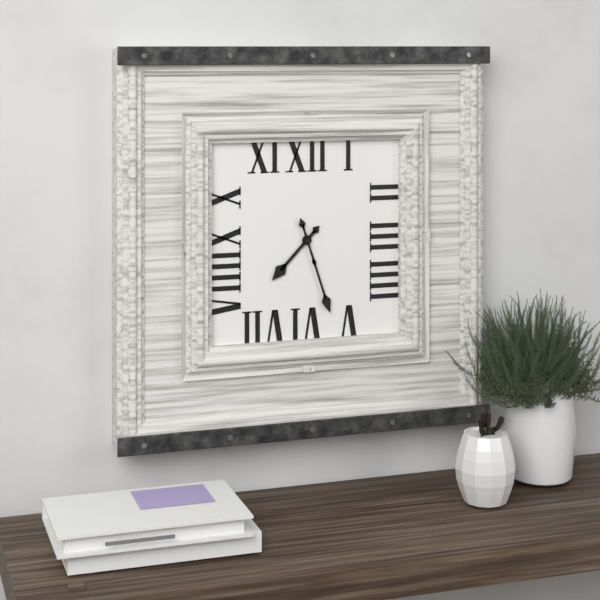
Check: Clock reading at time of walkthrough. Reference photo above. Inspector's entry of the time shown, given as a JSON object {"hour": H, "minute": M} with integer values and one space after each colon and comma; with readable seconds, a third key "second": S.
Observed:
{"hour": 7, "minute": 27}
